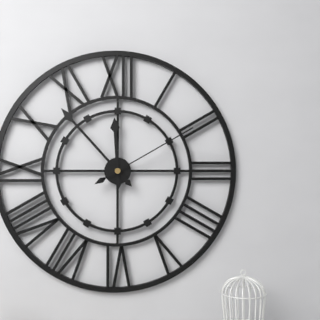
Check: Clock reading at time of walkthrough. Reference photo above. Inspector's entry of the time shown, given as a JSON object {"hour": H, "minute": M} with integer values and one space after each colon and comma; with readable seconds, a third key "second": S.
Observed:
{"hour": 11, "minute": 53, "second": 10}
